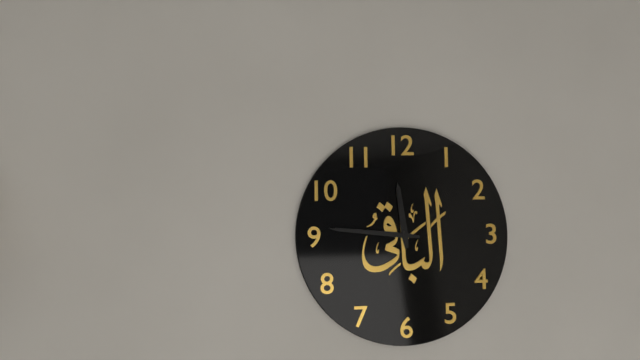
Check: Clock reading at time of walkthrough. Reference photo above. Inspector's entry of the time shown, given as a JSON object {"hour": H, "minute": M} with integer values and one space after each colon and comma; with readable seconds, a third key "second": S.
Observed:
{"hour": 11, "minute": 46}
